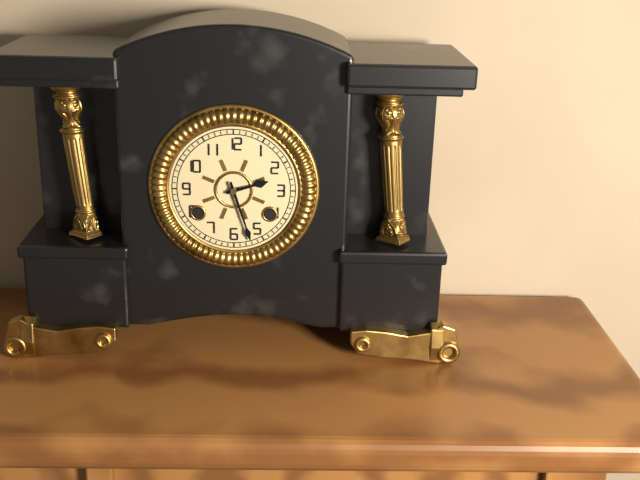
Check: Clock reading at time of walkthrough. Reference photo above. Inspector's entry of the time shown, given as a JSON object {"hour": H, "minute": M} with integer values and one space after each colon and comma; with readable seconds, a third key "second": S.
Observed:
{"hour": 2, "minute": 27}
